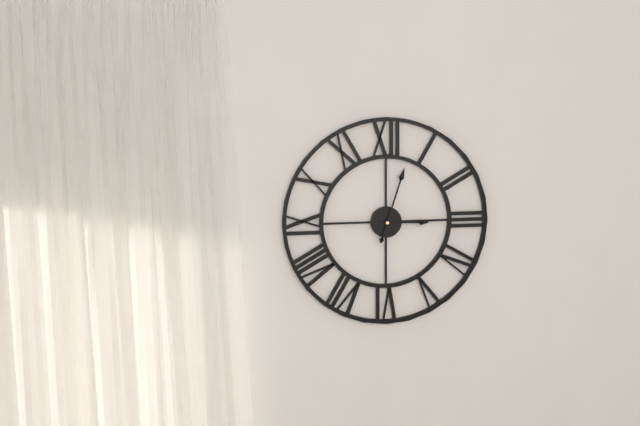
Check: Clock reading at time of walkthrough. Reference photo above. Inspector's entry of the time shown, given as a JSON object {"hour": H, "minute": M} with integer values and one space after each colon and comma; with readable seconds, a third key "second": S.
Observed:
{"hour": 3, "minute": 3}
